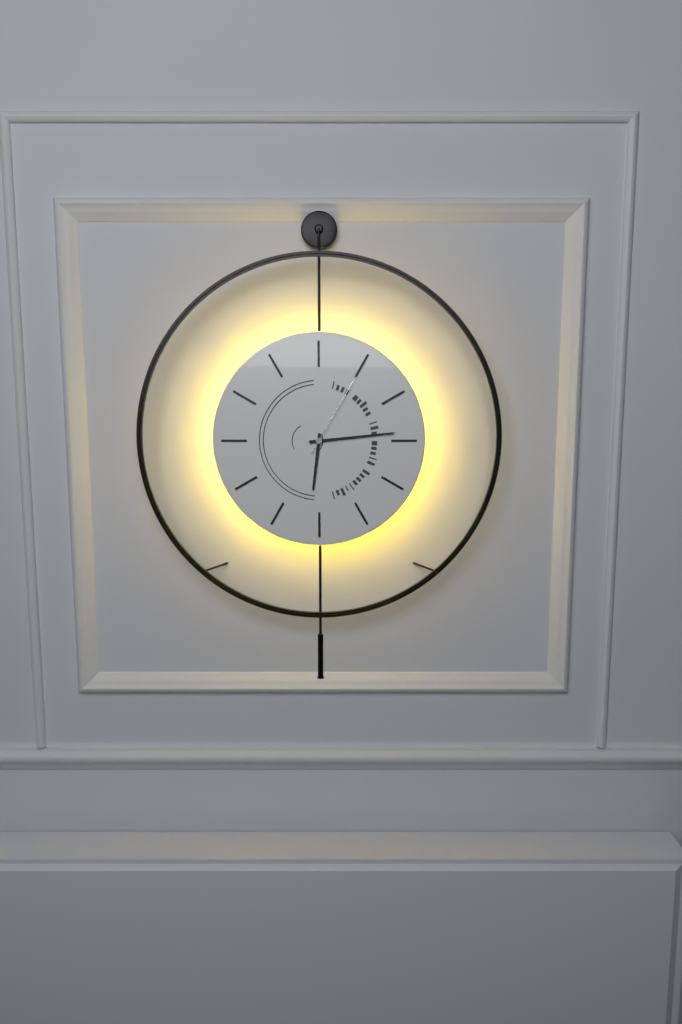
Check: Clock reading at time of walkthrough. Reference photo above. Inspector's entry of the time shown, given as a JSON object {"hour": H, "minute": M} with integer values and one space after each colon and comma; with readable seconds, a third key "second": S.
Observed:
{"hour": 6, "minute": 14, "second": 5}
